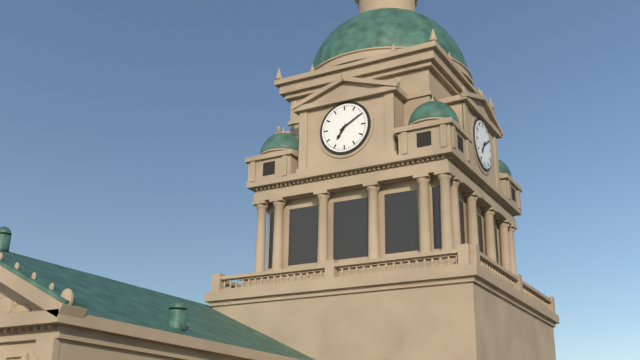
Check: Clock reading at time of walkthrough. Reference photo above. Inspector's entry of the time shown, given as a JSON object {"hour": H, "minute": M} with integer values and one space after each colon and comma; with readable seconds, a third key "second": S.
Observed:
{"hour": 7, "minute": 10}
